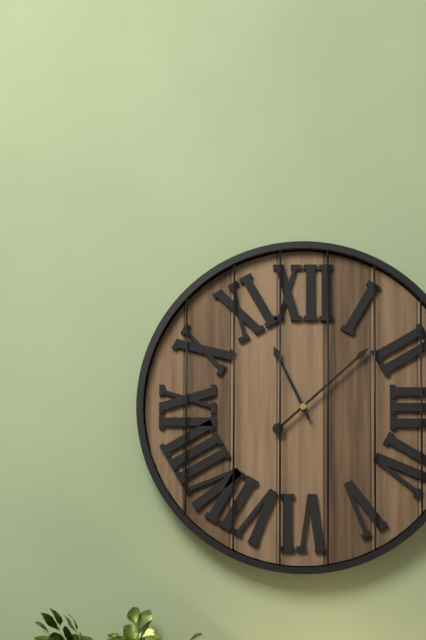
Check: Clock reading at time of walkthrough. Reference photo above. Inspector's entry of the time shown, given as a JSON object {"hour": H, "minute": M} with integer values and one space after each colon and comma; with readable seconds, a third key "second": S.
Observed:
{"hour": 11, "minute": 8}
